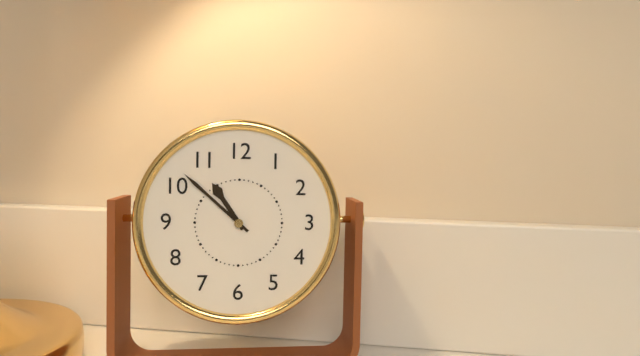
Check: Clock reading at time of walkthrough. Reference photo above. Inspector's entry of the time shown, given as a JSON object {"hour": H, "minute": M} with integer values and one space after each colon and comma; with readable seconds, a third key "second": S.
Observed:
{"hour": 10, "minute": 52}
